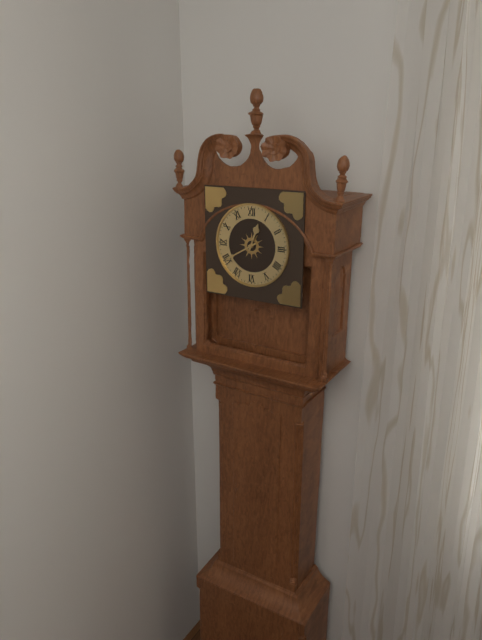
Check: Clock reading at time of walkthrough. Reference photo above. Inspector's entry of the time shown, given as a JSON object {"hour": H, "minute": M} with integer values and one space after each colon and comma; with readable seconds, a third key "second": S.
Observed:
{"hour": 12, "minute": 40}
